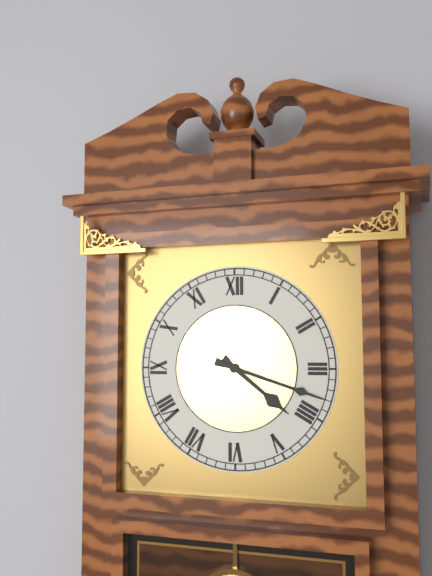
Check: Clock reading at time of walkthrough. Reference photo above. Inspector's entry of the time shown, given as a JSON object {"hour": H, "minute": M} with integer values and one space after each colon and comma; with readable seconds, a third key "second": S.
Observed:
{"hour": 4, "minute": 18}
